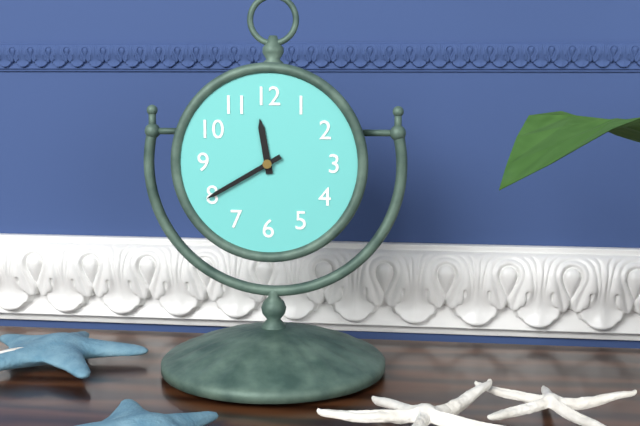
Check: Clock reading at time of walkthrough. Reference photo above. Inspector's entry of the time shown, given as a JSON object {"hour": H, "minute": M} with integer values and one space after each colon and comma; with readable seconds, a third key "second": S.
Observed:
{"hour": 11, "minute": 40}
